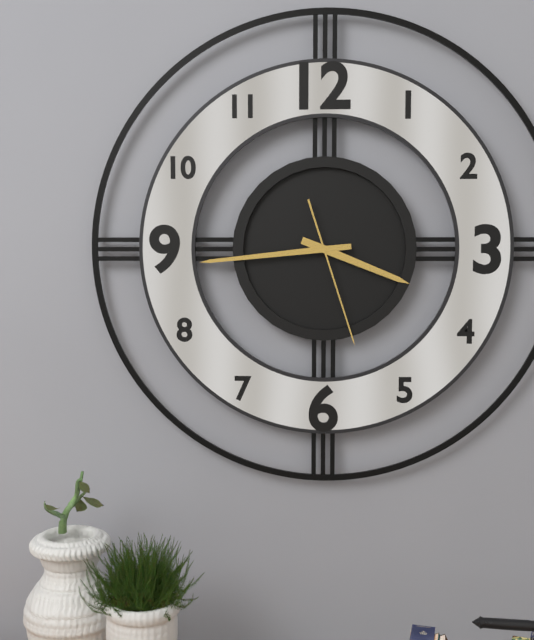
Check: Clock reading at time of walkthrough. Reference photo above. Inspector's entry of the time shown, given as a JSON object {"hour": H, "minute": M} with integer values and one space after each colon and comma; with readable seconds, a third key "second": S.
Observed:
{"hour": 3, "minute": 44, "second": 27}
